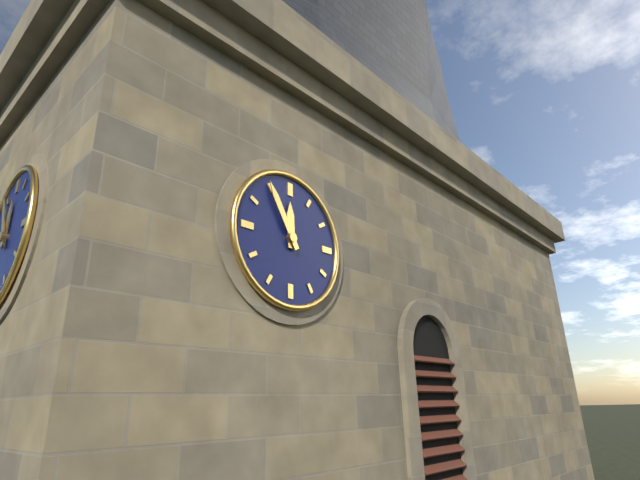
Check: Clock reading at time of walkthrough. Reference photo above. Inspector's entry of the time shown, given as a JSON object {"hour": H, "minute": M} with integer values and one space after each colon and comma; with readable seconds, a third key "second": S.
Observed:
{"hour": 11, "minute": 55}
